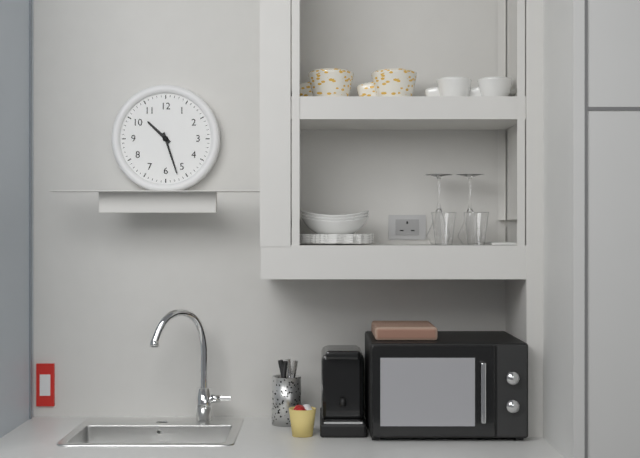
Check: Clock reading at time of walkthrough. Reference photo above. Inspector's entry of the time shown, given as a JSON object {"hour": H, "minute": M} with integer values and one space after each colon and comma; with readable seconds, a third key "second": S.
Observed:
{"hour": 10, "minute": 27}
